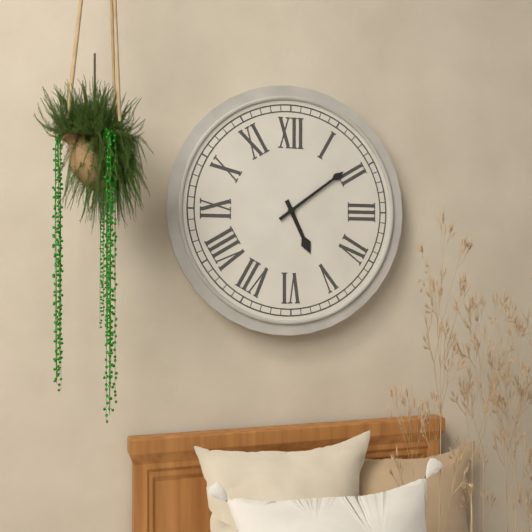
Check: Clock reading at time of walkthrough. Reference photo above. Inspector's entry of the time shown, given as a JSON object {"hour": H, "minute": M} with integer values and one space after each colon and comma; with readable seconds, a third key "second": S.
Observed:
{"hour": 5, "minute": 9}
